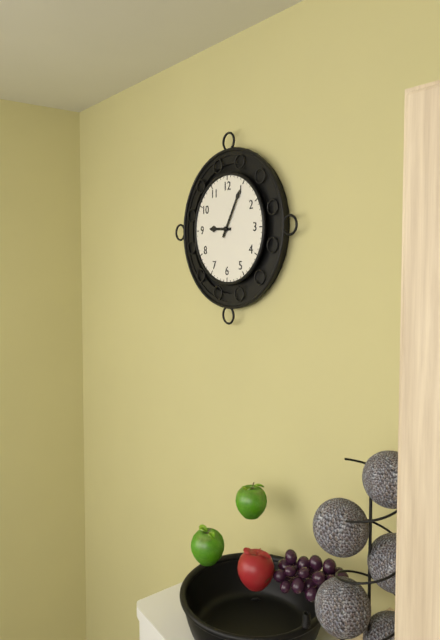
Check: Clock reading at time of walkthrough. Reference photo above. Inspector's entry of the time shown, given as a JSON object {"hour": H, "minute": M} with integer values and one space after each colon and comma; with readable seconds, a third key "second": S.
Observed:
{"hour": 9, "minute": 5}
